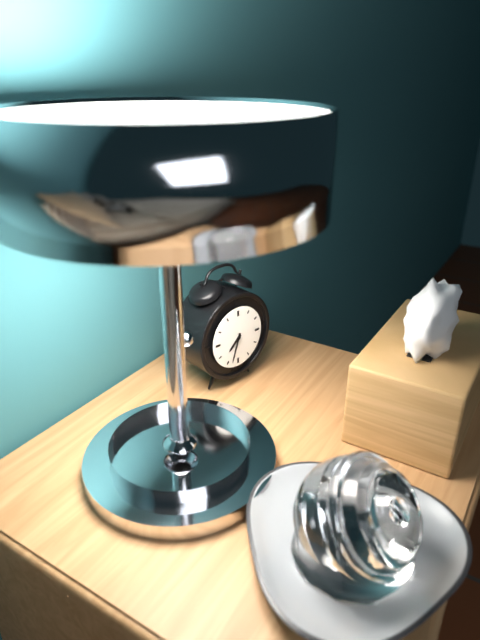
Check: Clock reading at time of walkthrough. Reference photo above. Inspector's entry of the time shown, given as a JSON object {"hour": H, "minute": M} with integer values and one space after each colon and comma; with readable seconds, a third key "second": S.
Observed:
{"hour": 7, "minute": 33}
